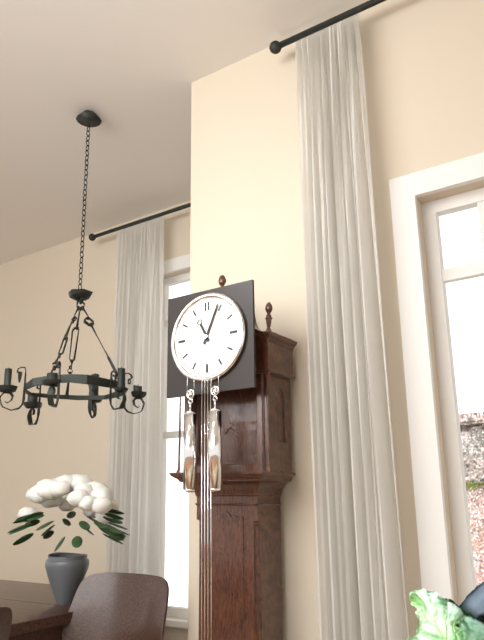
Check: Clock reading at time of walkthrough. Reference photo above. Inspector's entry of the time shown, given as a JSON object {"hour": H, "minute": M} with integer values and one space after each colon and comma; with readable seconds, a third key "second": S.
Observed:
{"hour": 11, "minute": 4}
